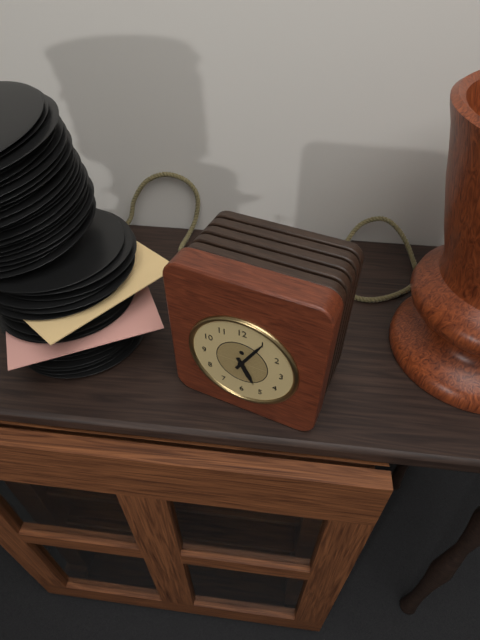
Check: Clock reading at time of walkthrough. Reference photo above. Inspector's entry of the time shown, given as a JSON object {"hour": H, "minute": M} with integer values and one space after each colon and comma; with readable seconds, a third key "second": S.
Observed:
{"hour": 5, "minute": 5}
